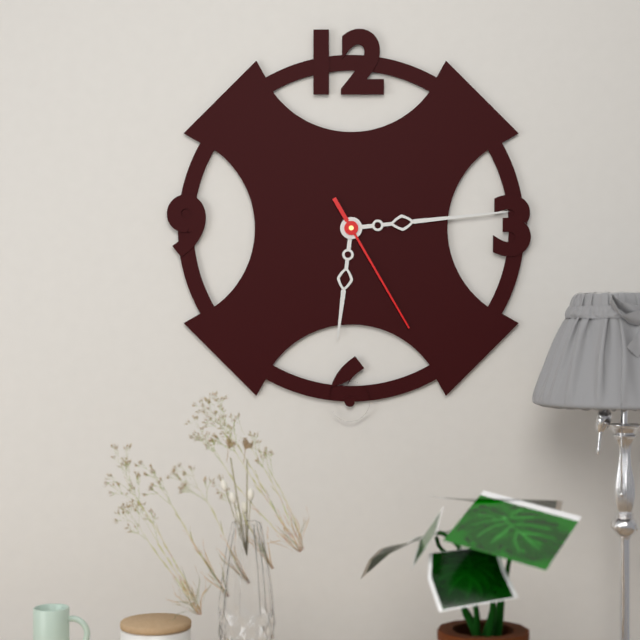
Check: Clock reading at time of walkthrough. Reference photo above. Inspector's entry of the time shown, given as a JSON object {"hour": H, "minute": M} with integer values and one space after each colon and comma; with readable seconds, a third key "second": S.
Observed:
{"hour": 6, "minute": 14, "second": 25}
